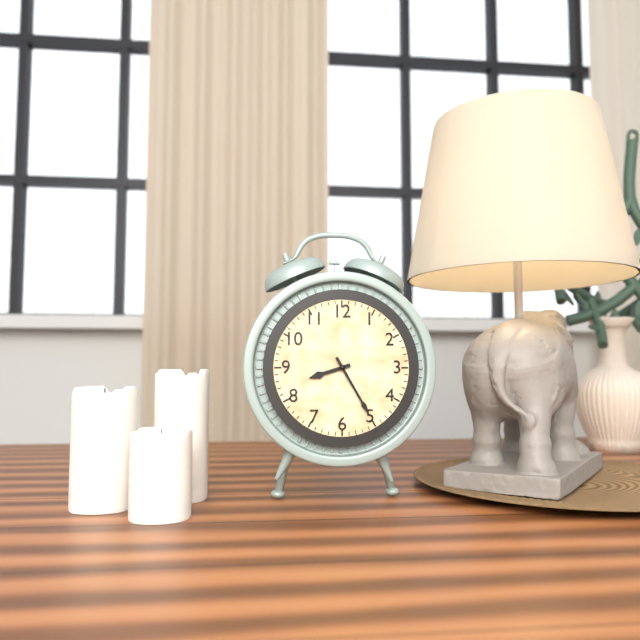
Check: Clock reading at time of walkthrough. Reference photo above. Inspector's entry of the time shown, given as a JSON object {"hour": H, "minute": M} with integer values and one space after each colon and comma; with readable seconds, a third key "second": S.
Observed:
{"hour": 8, "minute": 25}
